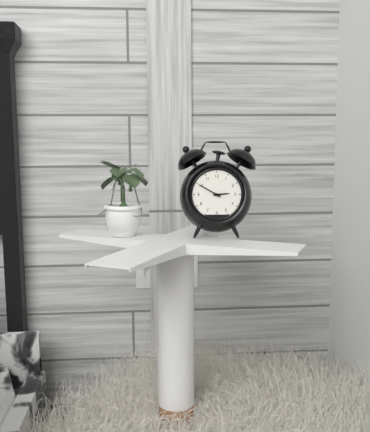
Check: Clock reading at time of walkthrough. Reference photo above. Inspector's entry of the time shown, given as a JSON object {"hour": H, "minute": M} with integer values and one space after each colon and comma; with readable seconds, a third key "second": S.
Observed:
{"hour": 2, "minute": 50}
